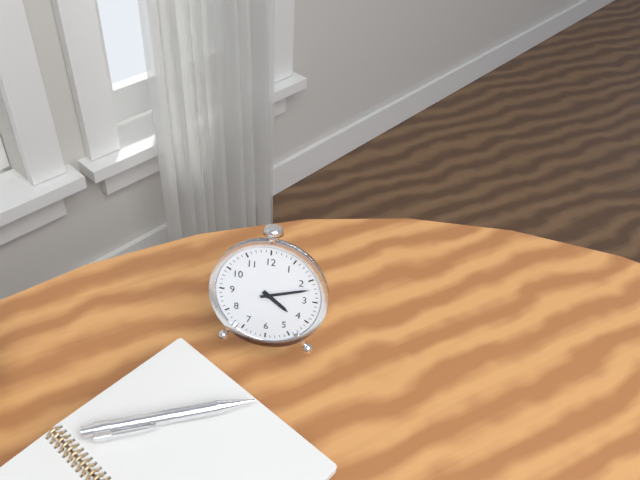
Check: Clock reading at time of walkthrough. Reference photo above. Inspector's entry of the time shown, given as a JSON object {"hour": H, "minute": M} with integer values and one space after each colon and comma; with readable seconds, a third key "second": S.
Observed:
{"hour": 4, "minute": 12}
